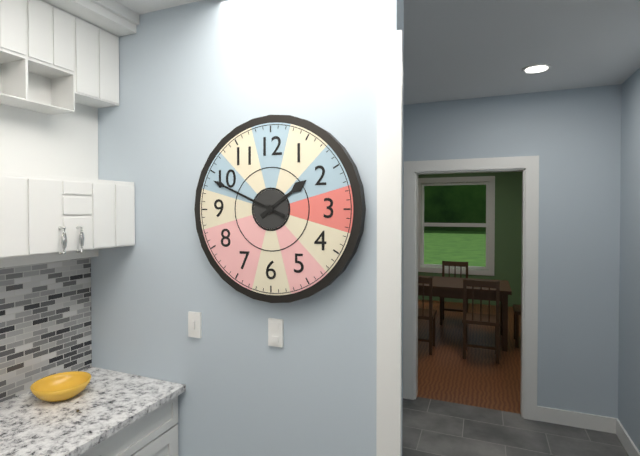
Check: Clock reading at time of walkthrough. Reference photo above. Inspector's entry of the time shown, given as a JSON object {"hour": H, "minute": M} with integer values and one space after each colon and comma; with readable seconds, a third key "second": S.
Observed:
{"hour": 1, "minute": 49}
